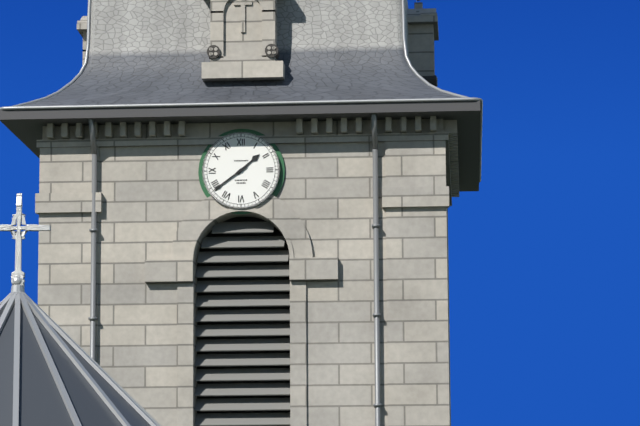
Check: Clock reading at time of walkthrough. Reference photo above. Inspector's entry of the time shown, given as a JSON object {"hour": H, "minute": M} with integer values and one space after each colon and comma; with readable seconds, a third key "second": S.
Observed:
{"hour": 1, "minute": 39}
